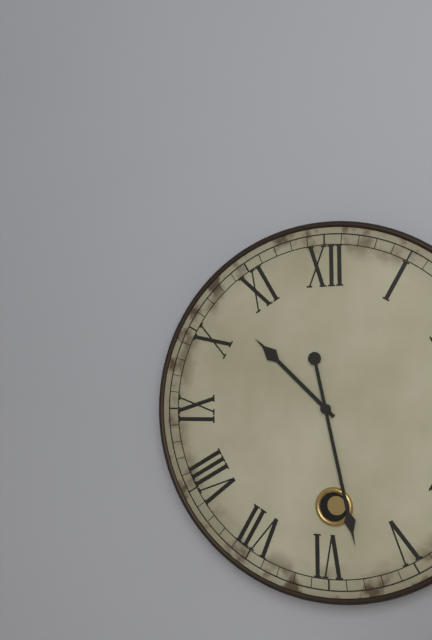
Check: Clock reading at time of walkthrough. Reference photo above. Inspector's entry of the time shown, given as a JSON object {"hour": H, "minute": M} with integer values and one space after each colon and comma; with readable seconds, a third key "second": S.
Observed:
{"hour": 10, "minute": 28}
